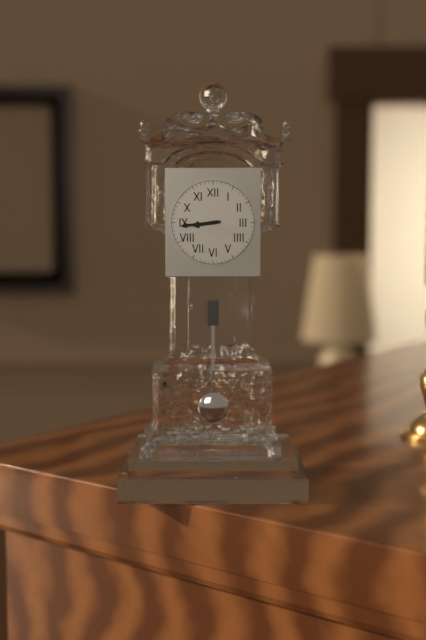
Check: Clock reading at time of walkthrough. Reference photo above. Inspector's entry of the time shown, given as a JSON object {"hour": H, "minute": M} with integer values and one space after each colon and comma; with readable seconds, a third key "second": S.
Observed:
{"hour": 8, "minute": 44}
